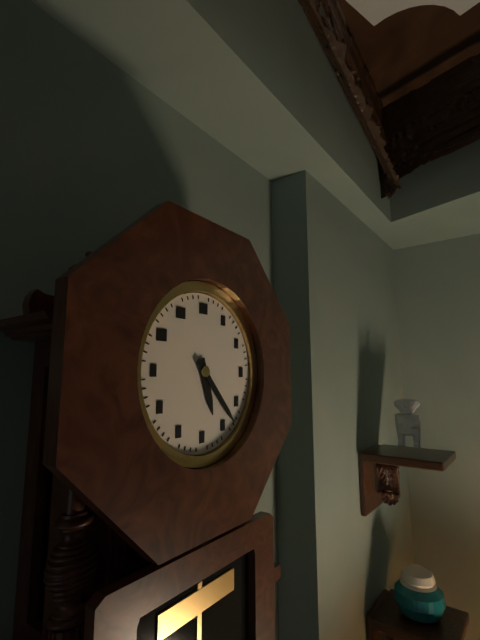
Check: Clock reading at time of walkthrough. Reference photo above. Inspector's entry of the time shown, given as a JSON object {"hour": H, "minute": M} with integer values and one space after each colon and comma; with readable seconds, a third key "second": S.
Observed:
{"hour": 5, "minute": 23}
